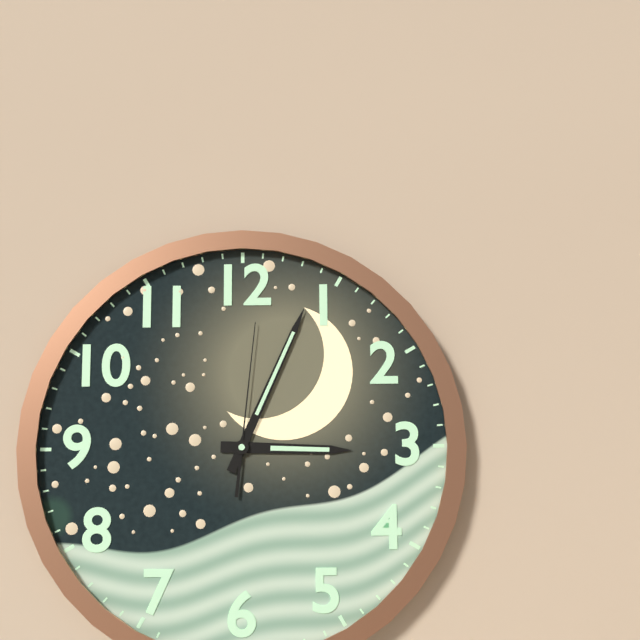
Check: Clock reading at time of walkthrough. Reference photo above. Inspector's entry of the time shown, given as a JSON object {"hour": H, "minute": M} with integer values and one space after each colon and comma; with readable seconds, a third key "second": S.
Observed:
{"hour": 3, "minute": 4, "second": 1}
